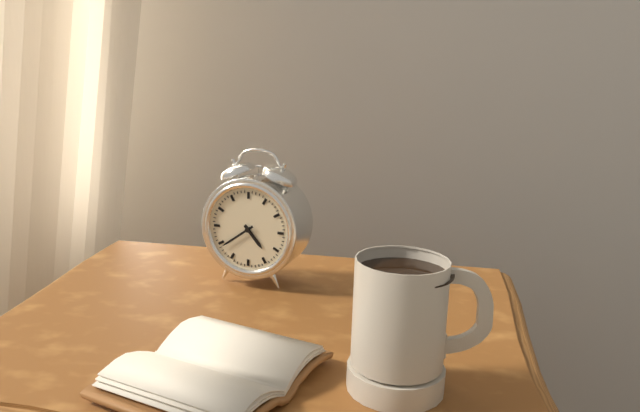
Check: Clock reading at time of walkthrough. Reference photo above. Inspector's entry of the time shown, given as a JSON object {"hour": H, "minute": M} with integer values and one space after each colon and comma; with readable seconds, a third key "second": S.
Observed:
{"hour": 4, "minute": 39}
